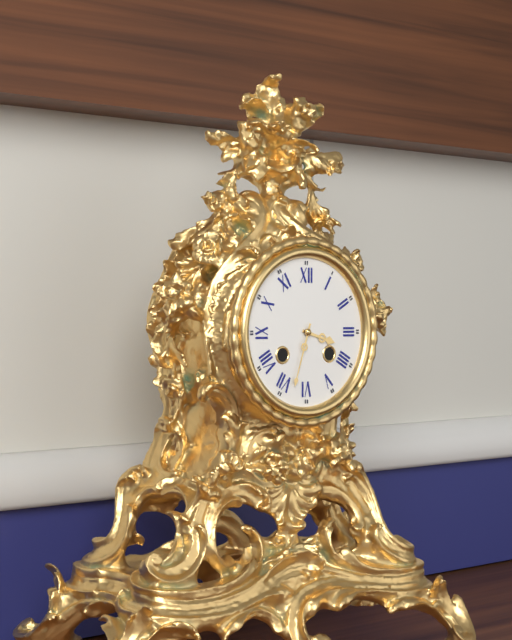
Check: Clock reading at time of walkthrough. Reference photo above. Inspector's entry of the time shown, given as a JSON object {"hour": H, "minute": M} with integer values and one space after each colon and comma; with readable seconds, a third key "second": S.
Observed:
{"hour": 3, "minute": 33}
